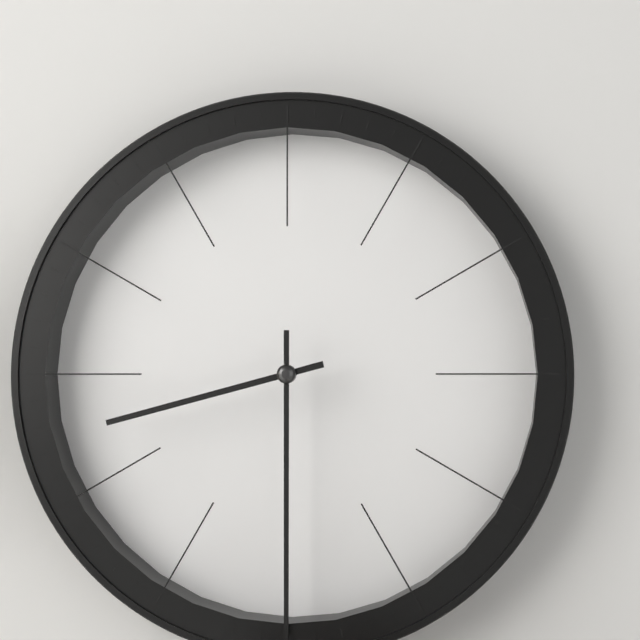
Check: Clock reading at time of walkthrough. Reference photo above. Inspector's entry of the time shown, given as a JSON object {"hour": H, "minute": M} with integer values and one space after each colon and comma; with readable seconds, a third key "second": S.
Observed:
{"hour": 8, "minute": 30}
